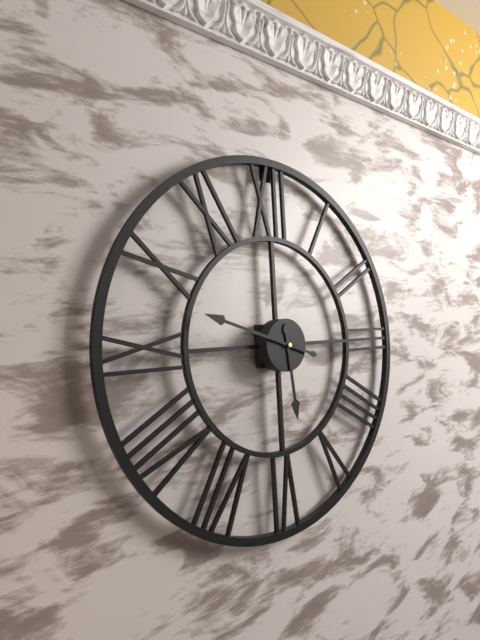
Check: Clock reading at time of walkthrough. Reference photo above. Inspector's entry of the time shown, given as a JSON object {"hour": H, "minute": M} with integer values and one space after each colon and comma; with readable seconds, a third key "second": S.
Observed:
{"hour": 5, "minute": 48}
